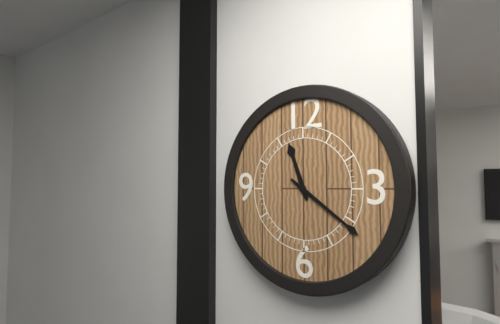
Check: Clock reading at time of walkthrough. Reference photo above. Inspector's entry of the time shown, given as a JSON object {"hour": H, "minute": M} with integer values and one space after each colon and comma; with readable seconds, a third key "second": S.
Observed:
{"hour": 11, "minute": 21}
